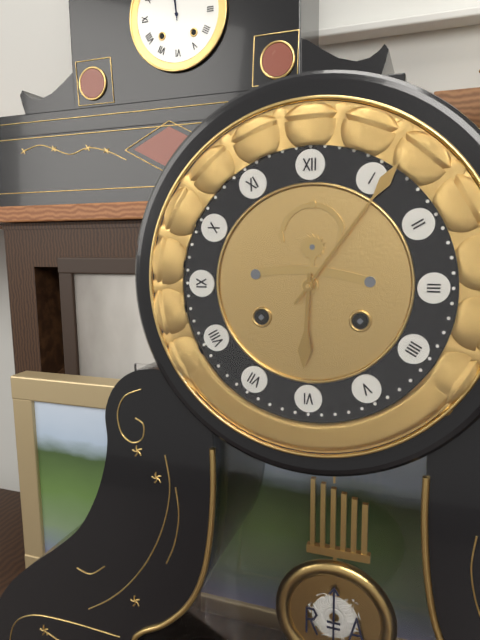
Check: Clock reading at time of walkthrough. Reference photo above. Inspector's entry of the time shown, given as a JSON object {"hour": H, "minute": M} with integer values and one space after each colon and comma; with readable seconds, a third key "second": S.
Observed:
{"hour": 6, "minute": 6}
